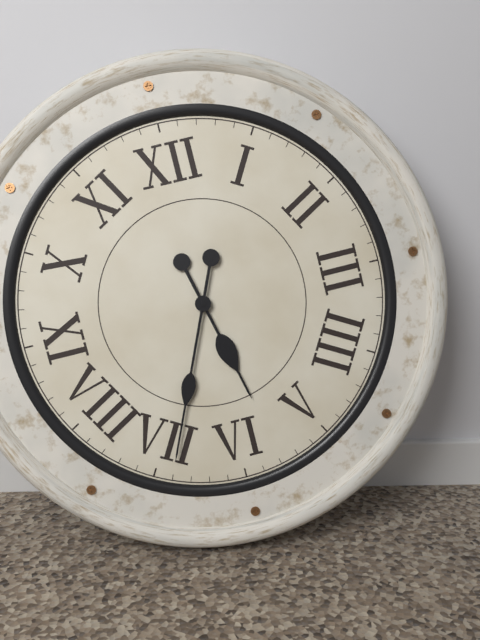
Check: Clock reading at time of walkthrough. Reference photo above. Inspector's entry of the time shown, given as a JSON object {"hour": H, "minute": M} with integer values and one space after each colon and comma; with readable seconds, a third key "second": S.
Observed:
{"hour": 5, "minute": 34}
